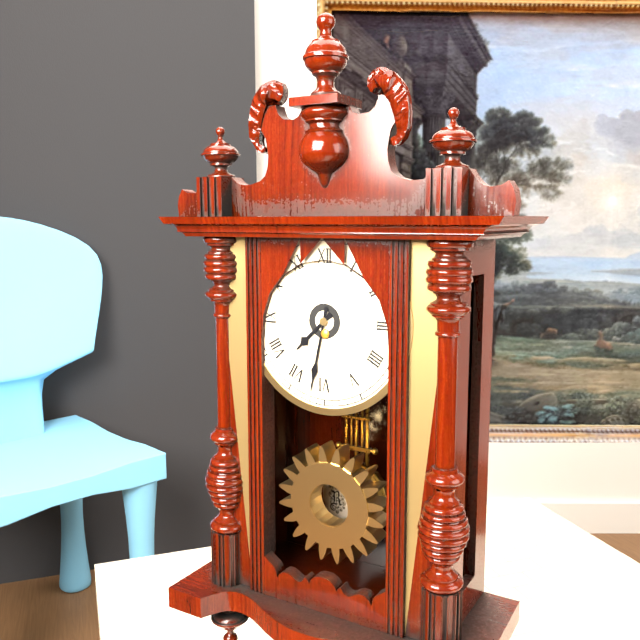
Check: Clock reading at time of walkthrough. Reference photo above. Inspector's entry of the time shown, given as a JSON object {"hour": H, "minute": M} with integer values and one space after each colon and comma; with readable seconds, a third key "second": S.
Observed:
{"hour": 7, "minute": 32}
